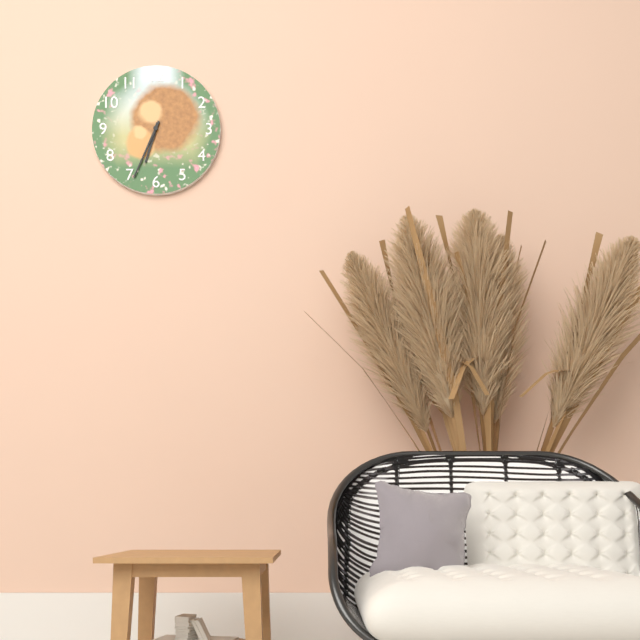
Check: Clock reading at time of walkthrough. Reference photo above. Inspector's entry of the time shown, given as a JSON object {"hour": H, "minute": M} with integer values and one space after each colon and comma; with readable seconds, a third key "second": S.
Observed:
{"hour": 6, "minute": 34}
